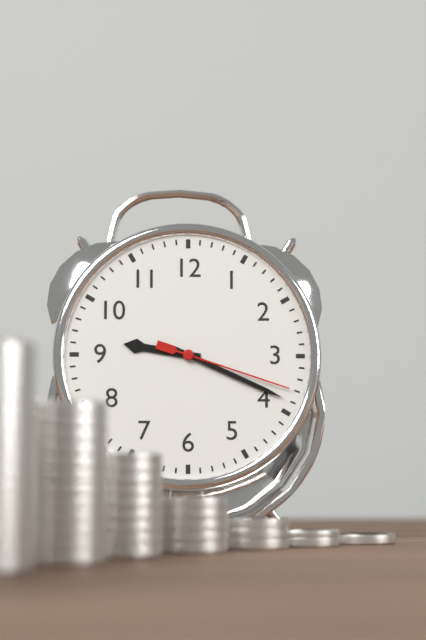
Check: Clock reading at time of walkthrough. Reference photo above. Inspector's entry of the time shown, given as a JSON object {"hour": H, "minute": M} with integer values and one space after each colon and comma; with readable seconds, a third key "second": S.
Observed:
{"hour": 9, "minute": 19, "second": 18}
